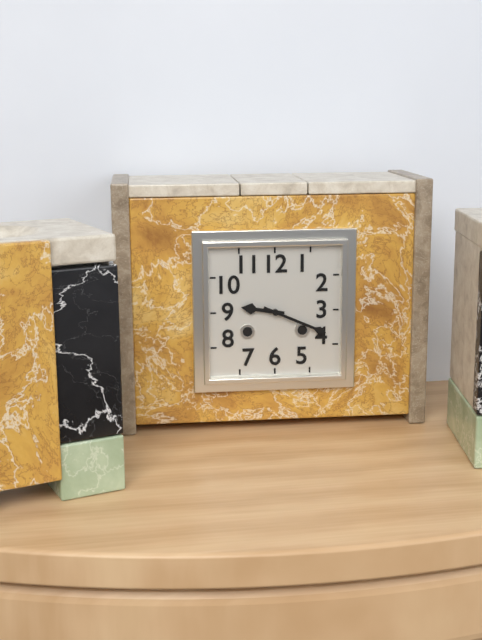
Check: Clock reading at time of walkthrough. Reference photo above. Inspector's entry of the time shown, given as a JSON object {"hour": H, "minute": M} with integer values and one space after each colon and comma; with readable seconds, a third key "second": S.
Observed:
{"hour": 9, "minute": 19}
